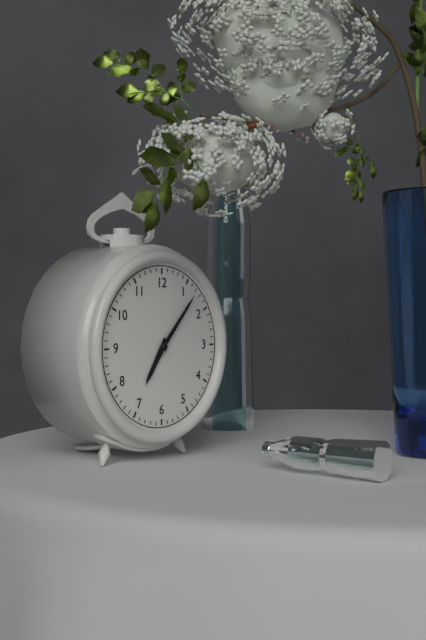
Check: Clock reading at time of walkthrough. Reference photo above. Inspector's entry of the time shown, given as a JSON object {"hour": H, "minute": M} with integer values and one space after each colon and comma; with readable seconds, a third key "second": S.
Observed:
{"hour": 7, "minute": 7}
